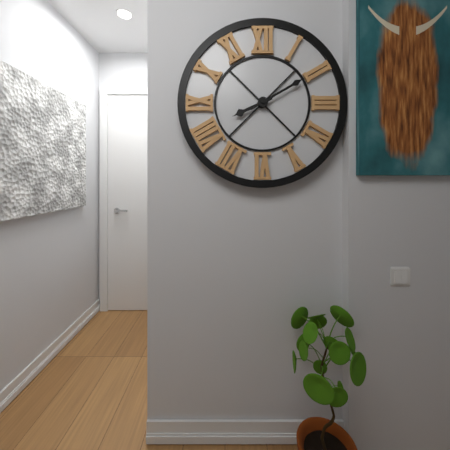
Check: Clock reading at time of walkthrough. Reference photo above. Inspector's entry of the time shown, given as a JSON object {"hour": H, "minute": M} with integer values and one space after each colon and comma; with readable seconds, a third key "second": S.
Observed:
{"hour": 8, "minute": 10}
